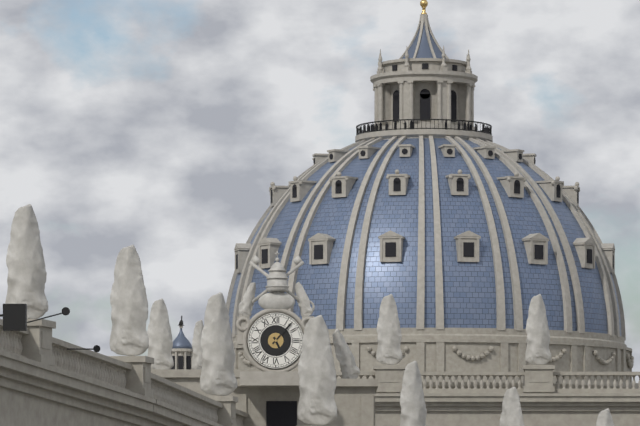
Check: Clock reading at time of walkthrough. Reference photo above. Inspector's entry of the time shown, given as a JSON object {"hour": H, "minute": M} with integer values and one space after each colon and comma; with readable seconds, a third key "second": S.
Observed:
{"hour": 5, "minute": 7}
